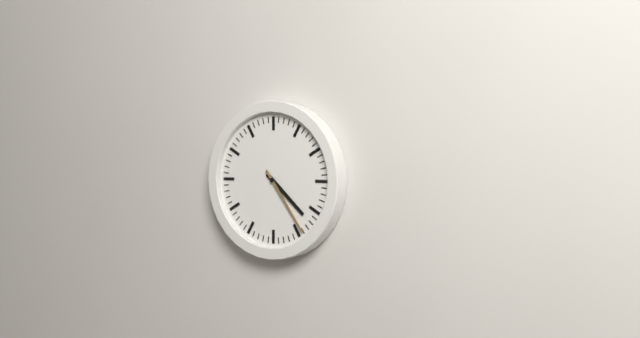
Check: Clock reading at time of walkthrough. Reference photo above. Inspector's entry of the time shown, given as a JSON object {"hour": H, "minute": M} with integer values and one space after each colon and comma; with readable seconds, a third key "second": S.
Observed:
{"hour": 4, "minute": 24}
